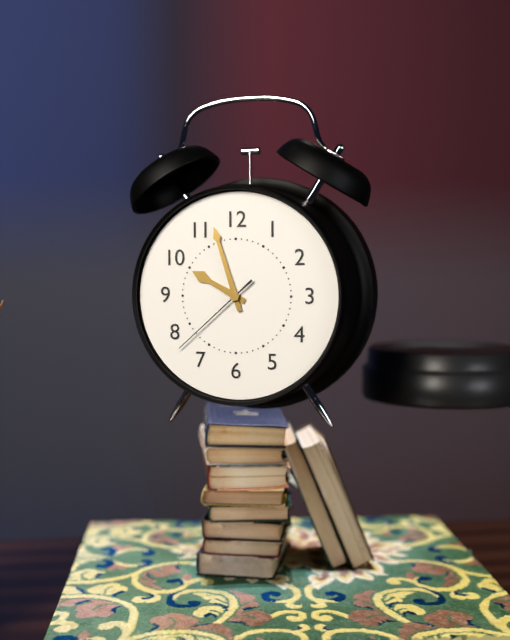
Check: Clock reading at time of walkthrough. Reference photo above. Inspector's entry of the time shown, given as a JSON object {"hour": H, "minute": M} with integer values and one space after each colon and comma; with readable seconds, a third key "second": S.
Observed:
{"hour": 9, "minute": 57, "second": 38}
